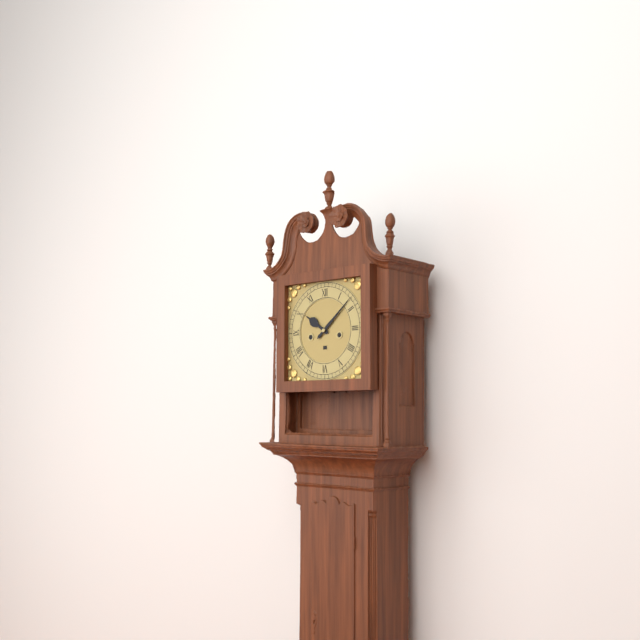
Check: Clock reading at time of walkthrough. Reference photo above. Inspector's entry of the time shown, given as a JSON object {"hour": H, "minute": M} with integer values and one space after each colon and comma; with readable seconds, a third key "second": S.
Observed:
{"hour": 10, "minute": 8}
